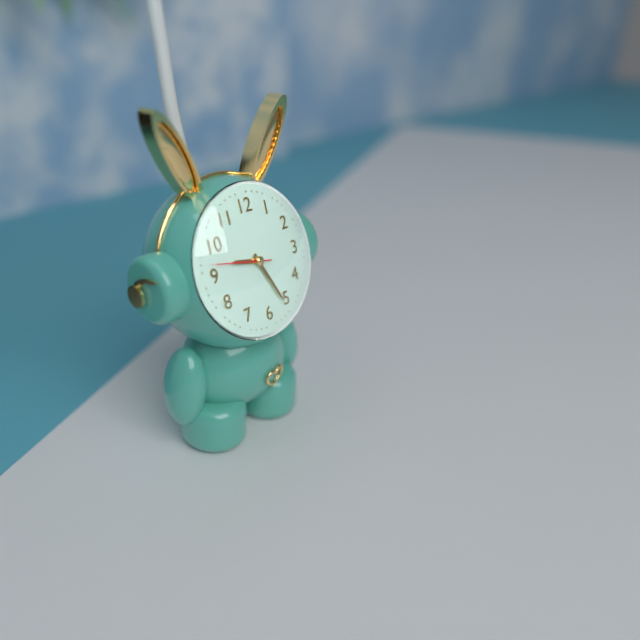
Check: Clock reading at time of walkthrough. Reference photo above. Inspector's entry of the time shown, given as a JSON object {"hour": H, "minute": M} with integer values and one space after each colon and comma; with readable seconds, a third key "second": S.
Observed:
{"hour": 9, "minute": 26, "second": 47}
